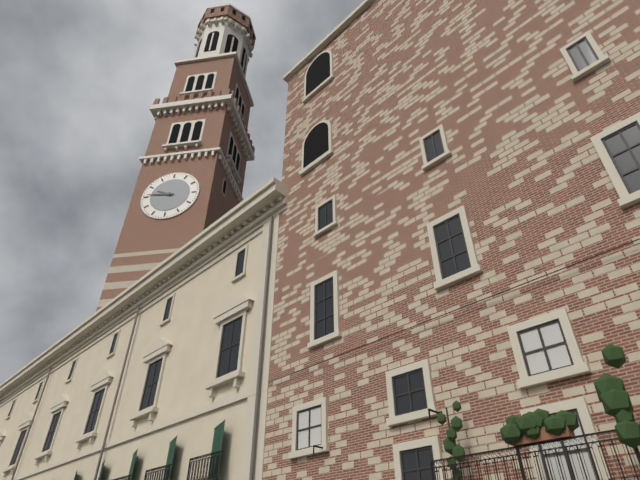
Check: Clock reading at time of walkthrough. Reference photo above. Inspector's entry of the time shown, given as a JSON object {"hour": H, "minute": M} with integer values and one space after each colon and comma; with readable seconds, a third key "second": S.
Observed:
{"hour": 9, "minute": 46}
